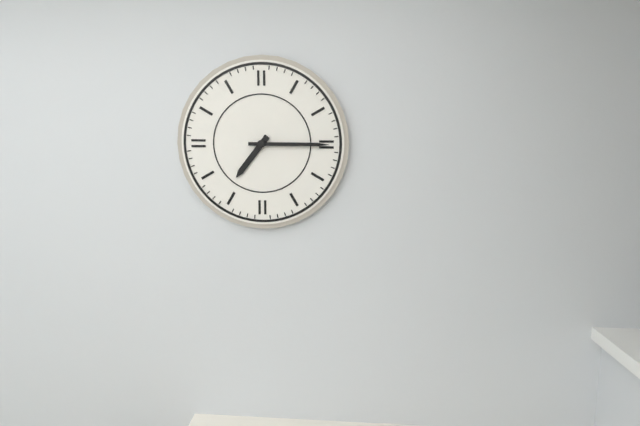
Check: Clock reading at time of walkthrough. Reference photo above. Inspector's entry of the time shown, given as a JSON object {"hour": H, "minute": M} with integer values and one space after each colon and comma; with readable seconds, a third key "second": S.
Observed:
{"hour": 7, "minute": 15}
